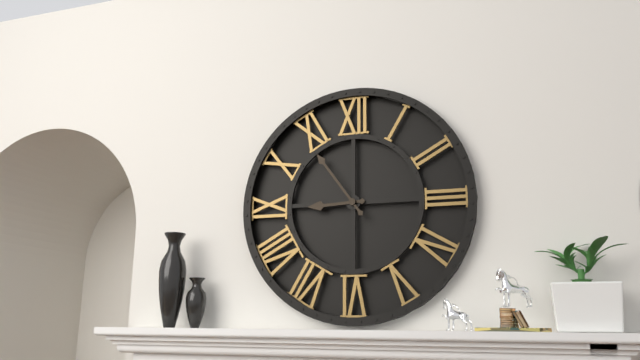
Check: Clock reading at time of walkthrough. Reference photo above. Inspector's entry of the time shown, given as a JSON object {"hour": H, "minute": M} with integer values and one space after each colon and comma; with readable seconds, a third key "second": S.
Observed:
{"hour": 8, "minute": 54}
